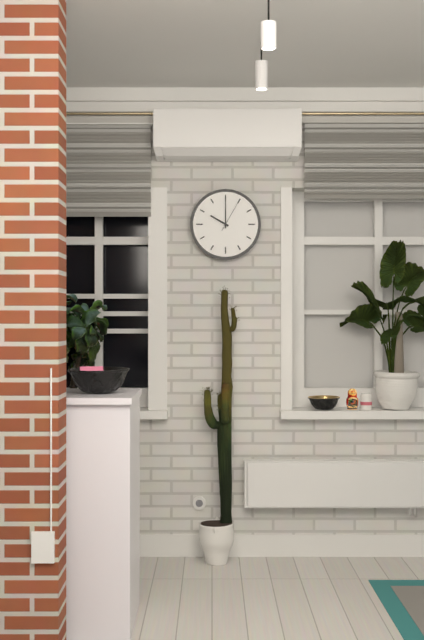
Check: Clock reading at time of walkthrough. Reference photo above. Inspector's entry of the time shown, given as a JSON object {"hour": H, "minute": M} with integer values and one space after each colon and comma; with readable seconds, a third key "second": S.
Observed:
{"hour": 10, "minute": 0}
